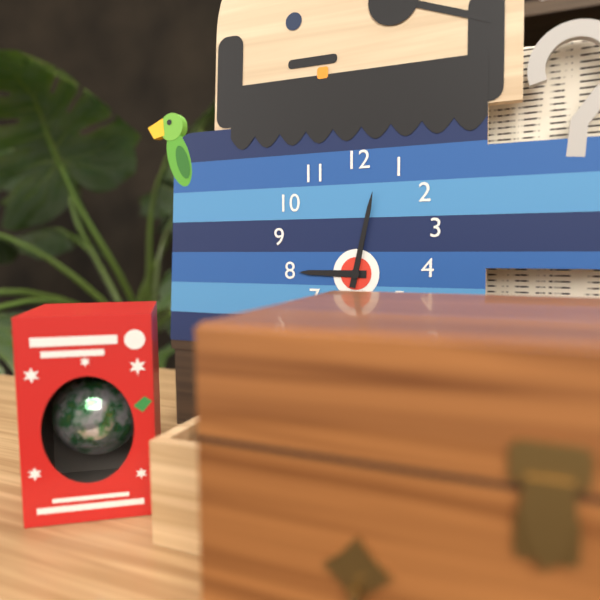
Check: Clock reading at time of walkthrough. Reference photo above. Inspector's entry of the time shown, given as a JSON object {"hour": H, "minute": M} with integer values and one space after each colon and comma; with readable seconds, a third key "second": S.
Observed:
{"hour": 9, "minute": 2}
